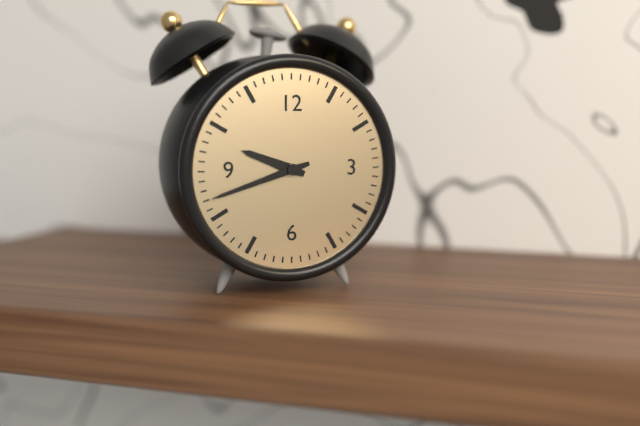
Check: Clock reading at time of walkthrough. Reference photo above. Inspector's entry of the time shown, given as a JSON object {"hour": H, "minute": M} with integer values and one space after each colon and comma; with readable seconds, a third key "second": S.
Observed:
{"hour": 9, "minute": 42}
